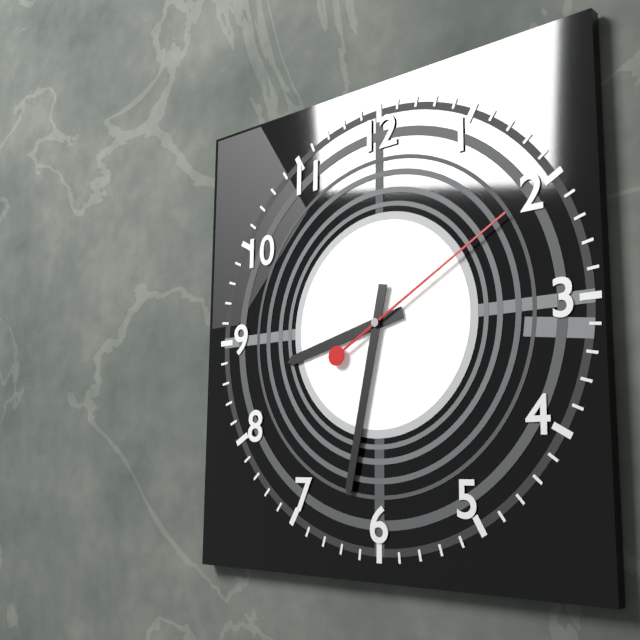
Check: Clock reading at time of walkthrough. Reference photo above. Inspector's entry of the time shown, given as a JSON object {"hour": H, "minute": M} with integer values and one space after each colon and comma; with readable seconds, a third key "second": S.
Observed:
{"hour": 8, "minute": 32, "second": 10}
